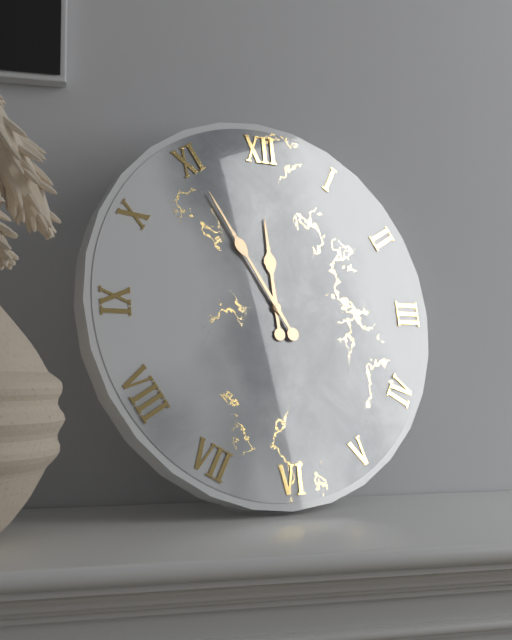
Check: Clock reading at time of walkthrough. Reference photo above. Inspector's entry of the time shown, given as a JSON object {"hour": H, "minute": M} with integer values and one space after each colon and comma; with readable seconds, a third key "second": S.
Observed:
{"hour": 11, "minute": 55}
